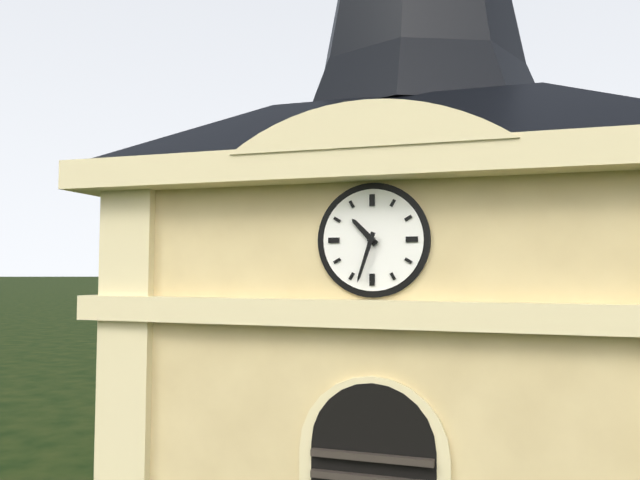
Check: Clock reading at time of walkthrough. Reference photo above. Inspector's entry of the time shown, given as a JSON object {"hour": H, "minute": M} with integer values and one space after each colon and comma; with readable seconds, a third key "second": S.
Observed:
{"hour": 10, "minute": 33}
